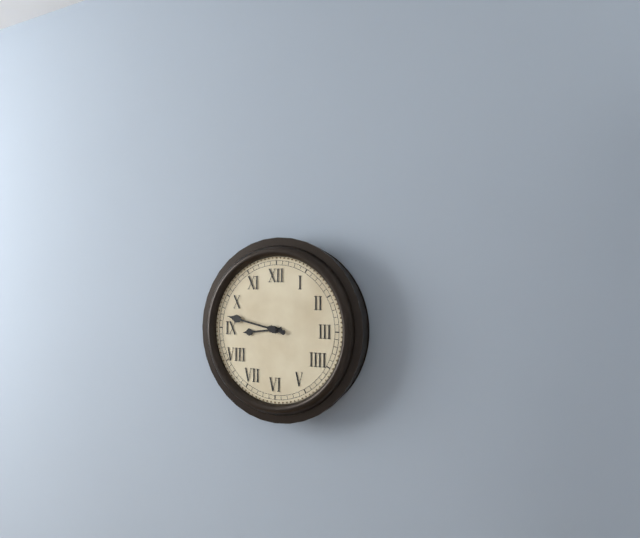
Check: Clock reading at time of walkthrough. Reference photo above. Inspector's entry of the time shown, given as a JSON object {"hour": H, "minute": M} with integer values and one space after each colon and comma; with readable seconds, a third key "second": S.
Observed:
{"hour": 8, "minute": 47}
